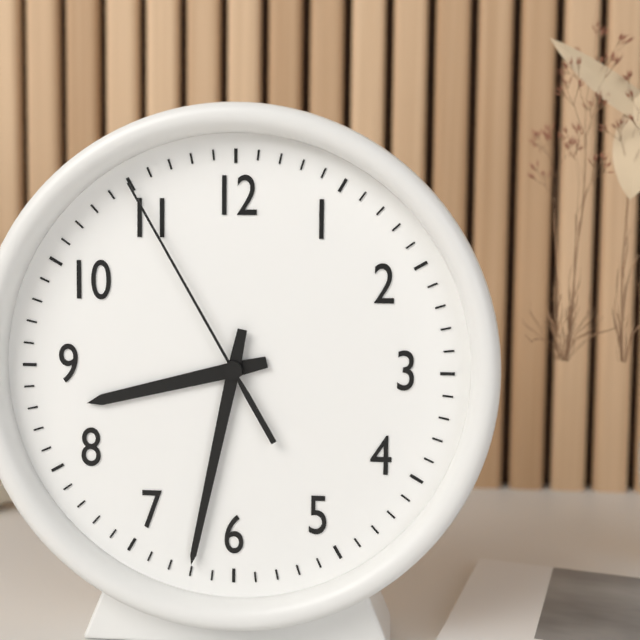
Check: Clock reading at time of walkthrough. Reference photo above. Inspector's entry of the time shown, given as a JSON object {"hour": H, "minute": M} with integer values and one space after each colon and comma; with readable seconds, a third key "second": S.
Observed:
{"hour": 8, "minute": 32, "second": 55}
